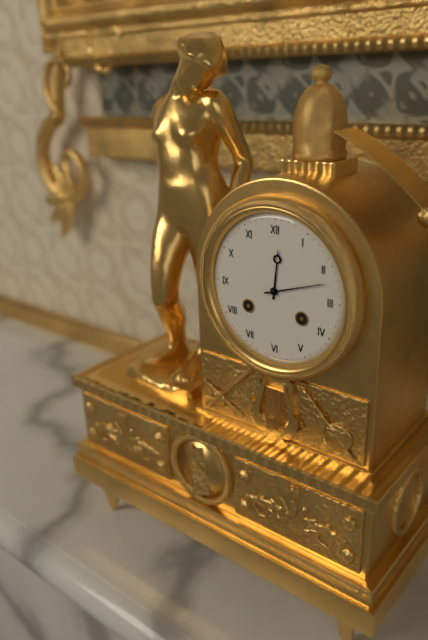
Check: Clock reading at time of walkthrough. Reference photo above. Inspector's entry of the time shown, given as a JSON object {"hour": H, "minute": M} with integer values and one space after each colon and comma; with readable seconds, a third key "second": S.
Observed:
{"hour": 12, "minute": 12}
